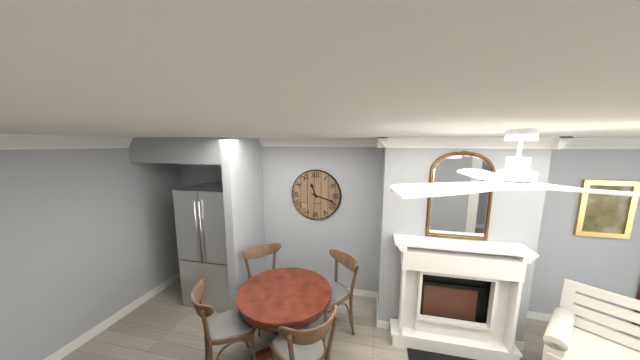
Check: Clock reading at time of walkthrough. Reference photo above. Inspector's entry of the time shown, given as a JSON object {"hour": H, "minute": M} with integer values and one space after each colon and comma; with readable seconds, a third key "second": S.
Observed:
{"hour": 11, "minute": 18}
